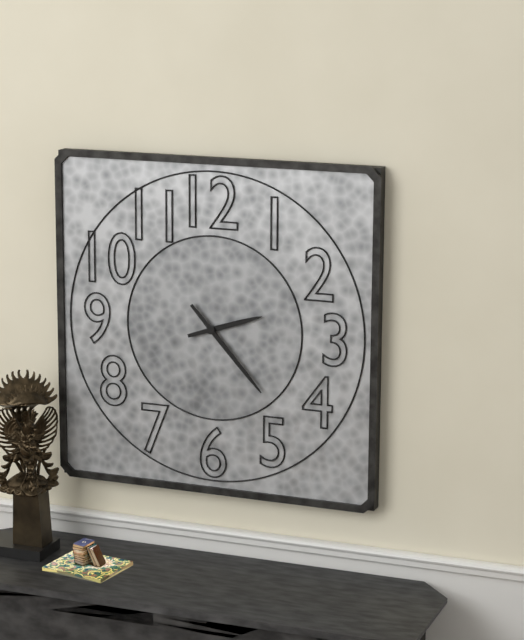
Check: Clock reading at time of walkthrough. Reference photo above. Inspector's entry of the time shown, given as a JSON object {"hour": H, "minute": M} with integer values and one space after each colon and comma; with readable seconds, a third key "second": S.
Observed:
{"hour": 2, "minute": 23}
